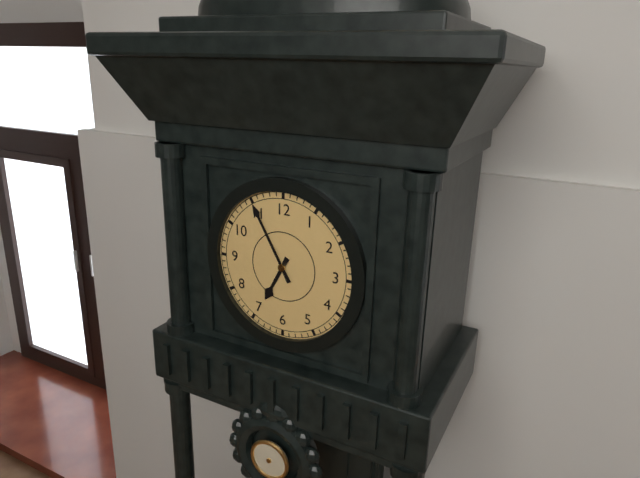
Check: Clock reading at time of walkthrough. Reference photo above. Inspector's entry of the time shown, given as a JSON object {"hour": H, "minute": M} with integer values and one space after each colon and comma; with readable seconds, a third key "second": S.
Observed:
{"hour": 6, "minute": 55}
